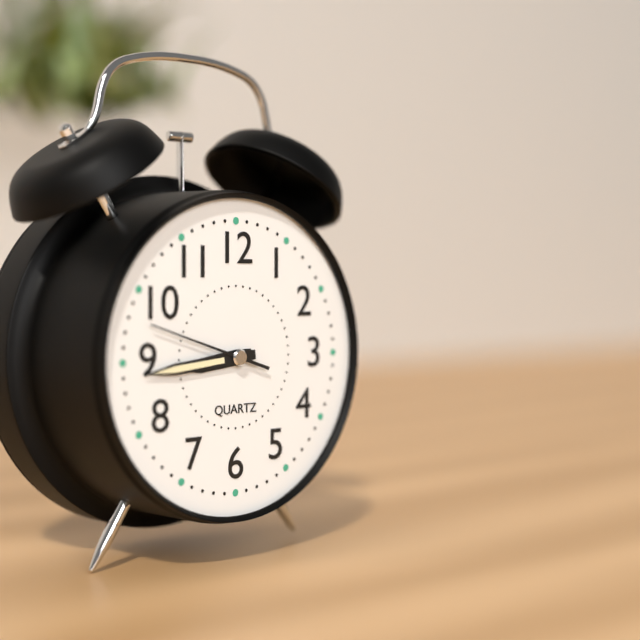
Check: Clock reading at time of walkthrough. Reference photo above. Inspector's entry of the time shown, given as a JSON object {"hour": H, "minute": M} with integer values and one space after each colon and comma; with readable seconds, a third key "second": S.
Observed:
{"hour": 8, "minute": 44, "second": 48}
